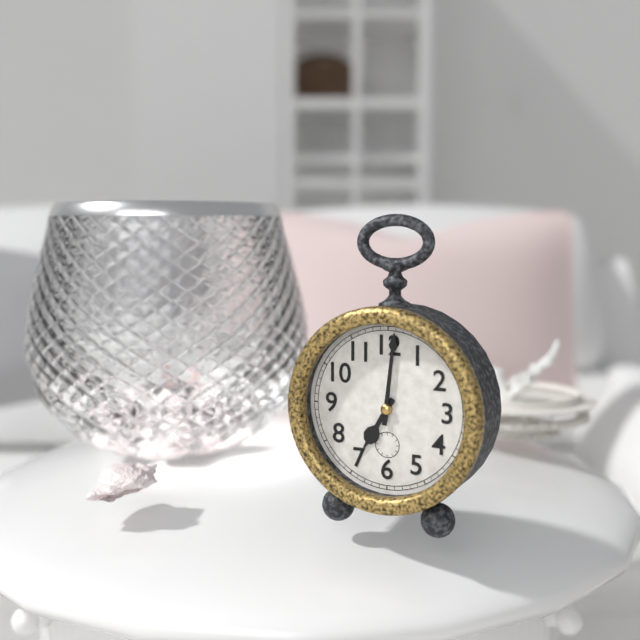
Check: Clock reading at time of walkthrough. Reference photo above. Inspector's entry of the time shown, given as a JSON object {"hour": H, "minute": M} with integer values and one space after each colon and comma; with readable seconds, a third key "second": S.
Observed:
{"hour": 7, "minute": 1}
